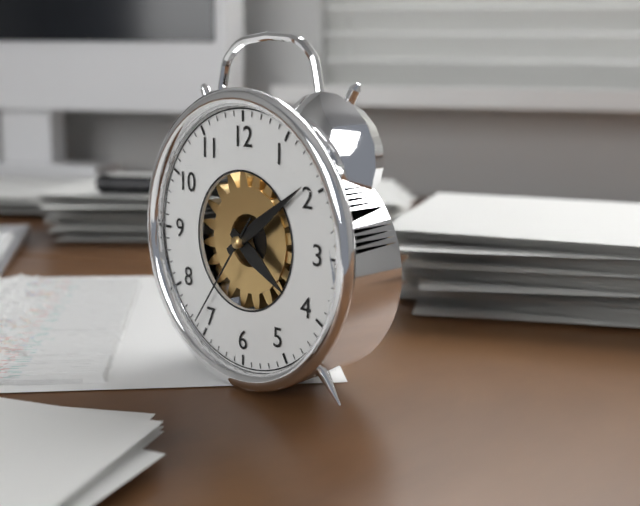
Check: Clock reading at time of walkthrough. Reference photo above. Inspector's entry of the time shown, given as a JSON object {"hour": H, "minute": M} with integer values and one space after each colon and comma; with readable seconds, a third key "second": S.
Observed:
{"hour": 4, "minute": 9, "second": 36}
